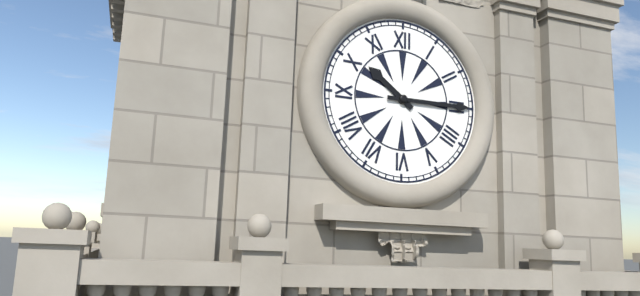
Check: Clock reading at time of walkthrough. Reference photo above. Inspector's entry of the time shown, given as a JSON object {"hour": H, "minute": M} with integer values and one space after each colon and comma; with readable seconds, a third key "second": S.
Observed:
{"hour": 10, "minute": 15}
